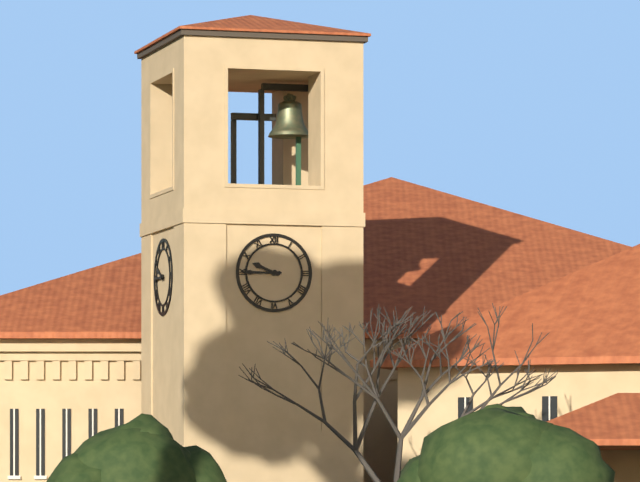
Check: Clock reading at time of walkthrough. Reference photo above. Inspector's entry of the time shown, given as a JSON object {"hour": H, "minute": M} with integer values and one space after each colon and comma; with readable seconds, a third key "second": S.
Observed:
{"hour": 9, "minute": 45}
